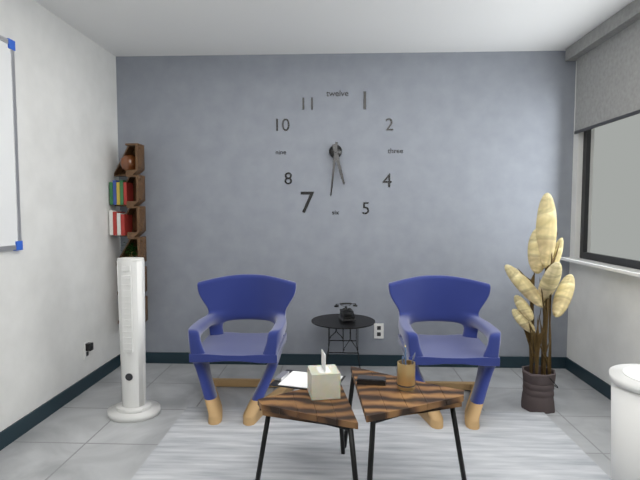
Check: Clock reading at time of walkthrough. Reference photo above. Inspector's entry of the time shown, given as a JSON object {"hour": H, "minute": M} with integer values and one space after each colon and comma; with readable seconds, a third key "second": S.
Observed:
{"hour": 5, "minute": 31}
